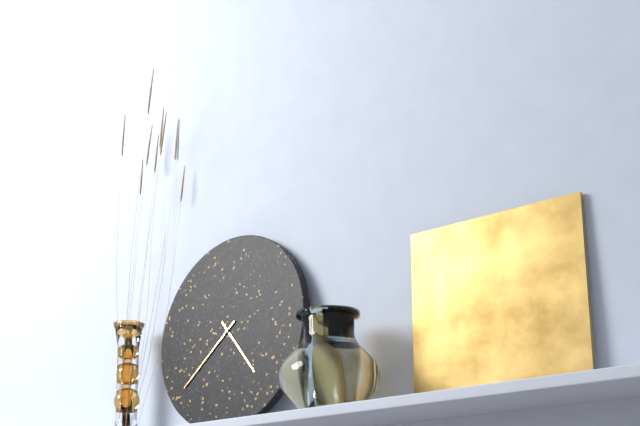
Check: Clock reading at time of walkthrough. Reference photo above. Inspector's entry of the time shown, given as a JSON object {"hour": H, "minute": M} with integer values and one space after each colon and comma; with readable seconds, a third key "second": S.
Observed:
{"hour": 4, "minute": 38}
